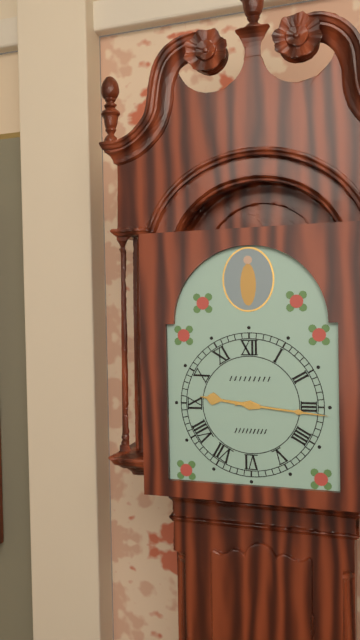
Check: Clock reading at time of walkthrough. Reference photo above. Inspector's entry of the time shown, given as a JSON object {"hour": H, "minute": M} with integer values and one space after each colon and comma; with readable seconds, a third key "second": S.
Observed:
{"hour": 9, "minute": 16}
